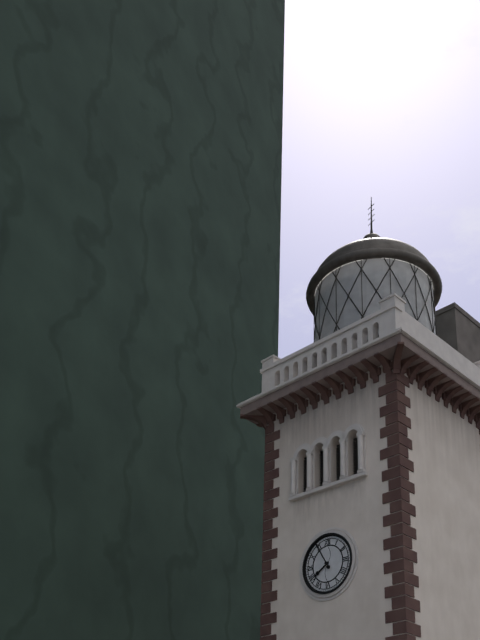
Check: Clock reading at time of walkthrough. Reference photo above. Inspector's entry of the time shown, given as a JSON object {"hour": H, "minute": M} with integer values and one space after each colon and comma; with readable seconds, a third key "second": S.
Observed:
{"hour": 7, "minute": 55}
